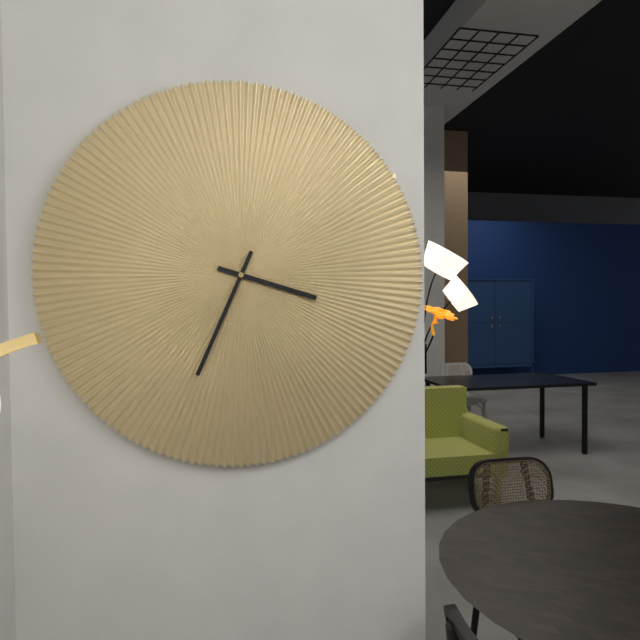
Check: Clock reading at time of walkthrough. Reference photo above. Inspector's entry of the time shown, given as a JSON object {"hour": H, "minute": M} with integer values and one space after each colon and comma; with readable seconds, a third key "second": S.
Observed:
{"hour": 3, "minute": 34}
